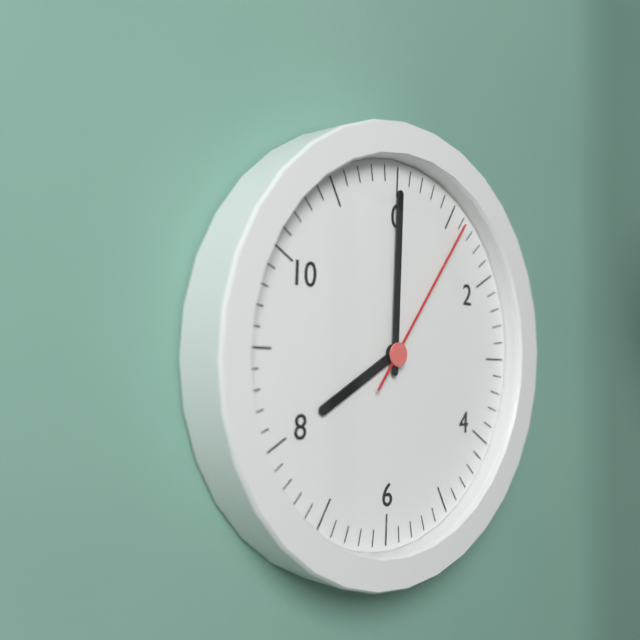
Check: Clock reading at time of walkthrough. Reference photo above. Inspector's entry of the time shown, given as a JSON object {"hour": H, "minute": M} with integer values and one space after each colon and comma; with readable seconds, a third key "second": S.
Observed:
{"hour": 8, "minute": 0, "second": 6}
